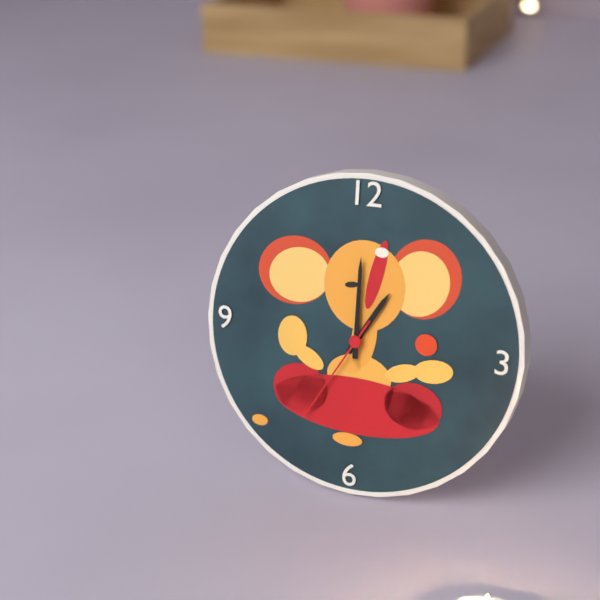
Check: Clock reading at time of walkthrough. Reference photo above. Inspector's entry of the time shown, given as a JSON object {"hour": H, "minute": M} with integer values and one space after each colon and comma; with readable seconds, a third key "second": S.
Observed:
{"hour": 1, "minute": 0, "second": 35}
